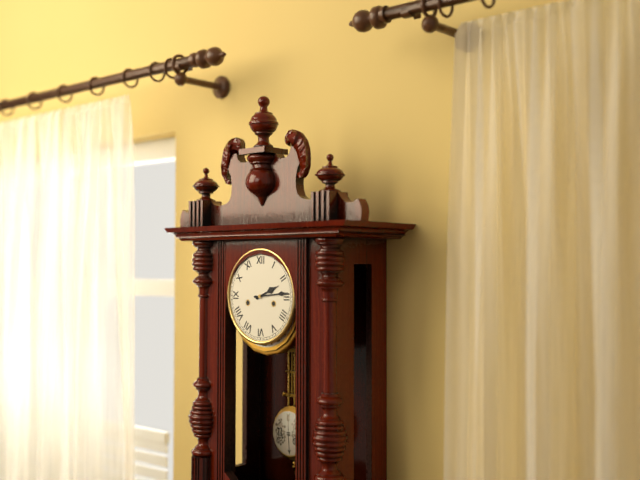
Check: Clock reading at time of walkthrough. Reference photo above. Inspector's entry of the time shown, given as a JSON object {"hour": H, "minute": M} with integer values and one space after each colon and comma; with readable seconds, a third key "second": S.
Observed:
{"hour": 2, "minute": 14}
